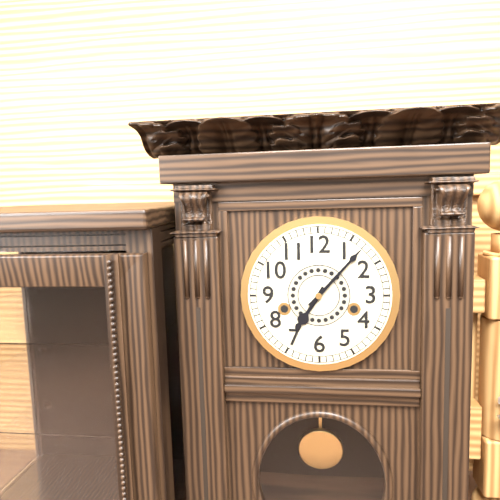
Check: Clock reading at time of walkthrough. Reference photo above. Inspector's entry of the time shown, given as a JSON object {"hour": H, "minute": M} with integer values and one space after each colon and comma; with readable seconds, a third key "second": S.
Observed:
{"hour": 7, "minute": 7}
